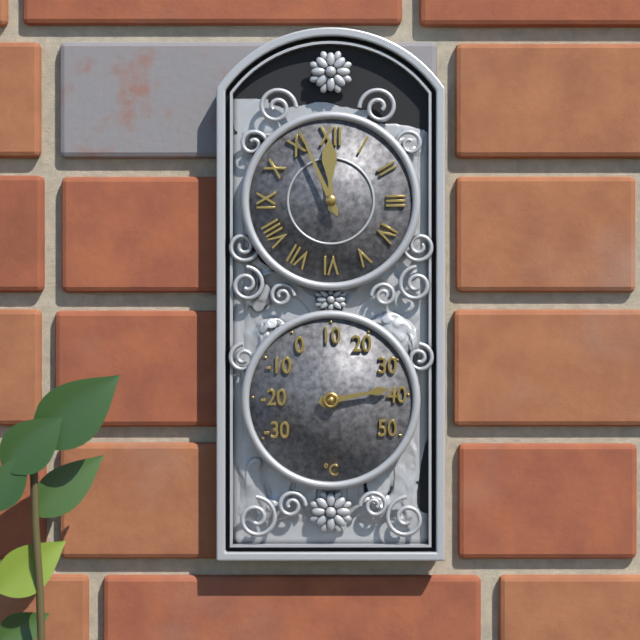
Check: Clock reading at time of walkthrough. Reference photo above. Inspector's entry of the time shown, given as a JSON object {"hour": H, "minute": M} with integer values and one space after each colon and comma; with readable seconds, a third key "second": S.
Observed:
{"hour": 11, "minute": 56}
